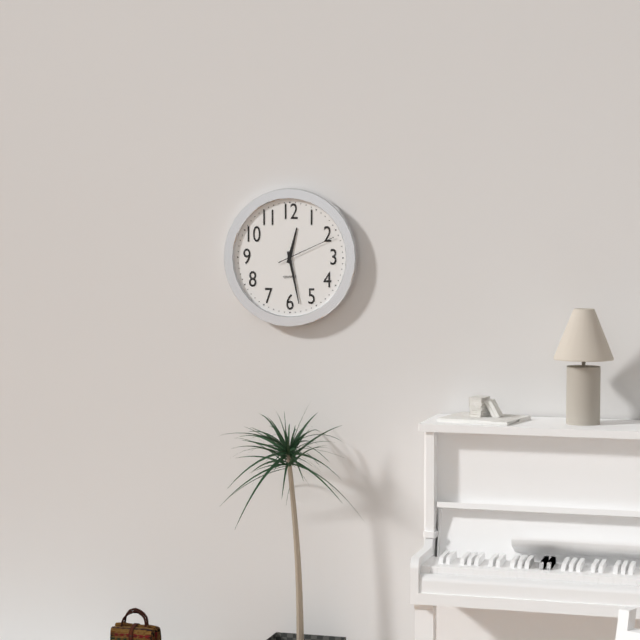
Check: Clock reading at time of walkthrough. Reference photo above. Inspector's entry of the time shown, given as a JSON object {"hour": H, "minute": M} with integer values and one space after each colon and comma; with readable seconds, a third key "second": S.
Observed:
{"hour": 12, "minute": 28, "second": 11}
